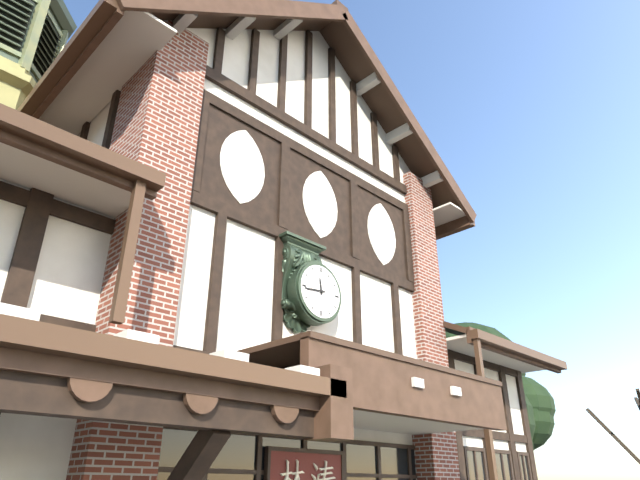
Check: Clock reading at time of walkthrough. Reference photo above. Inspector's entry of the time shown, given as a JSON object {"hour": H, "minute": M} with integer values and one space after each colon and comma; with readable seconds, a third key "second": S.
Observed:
{"hour": 11, "minute": 44}
